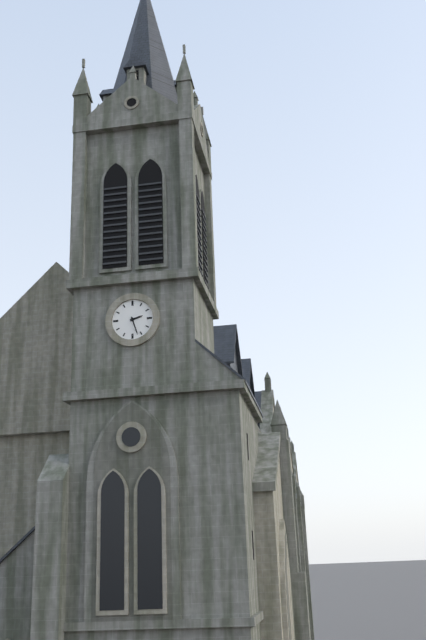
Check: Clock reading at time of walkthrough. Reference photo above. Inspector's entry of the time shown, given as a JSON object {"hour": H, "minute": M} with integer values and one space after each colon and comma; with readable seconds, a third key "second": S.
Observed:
{"hour": 2, "minute": 27}
